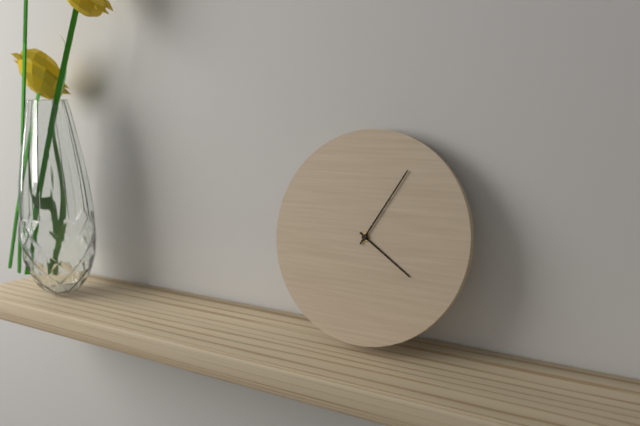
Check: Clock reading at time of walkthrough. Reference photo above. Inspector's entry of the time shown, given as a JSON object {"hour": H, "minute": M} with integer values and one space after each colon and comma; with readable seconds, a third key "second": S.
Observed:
{"hour": 4, "minute": 5}
